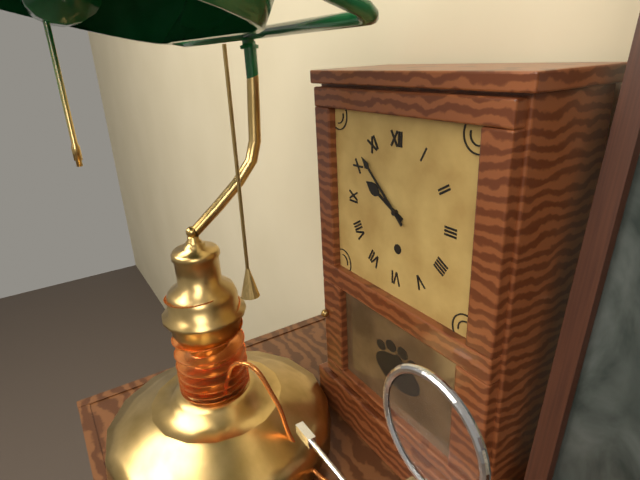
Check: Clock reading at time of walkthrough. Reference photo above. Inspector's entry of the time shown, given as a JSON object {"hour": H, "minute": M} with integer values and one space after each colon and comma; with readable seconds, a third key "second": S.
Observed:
{"hour": 9, "minute": 52}
